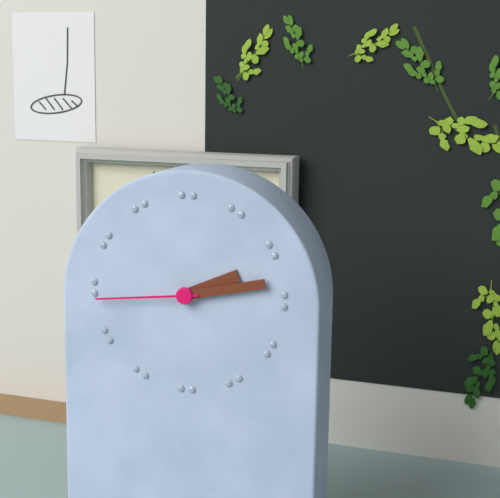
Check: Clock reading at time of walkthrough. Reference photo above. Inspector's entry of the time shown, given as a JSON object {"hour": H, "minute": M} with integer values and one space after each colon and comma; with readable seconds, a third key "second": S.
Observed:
{"hour": 2, "minute": 13, "second": 44}
